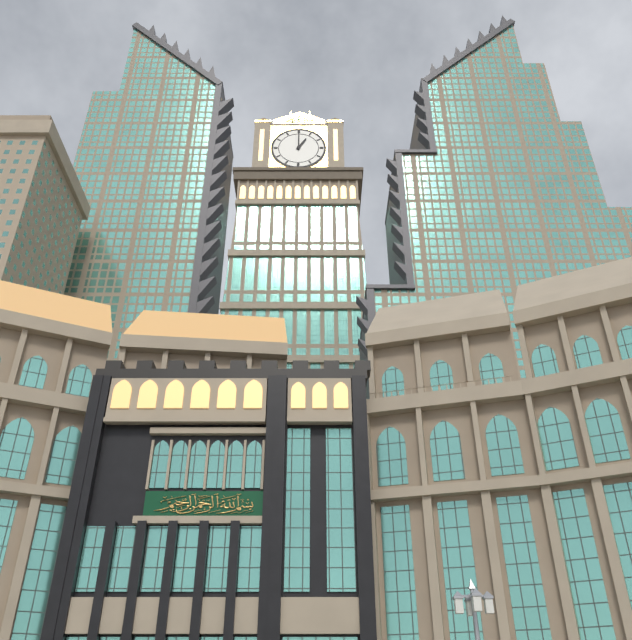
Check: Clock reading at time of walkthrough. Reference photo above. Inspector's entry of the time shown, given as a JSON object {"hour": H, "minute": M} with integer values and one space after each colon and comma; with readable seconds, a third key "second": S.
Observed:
{"hour": 1, "minute": 0}
